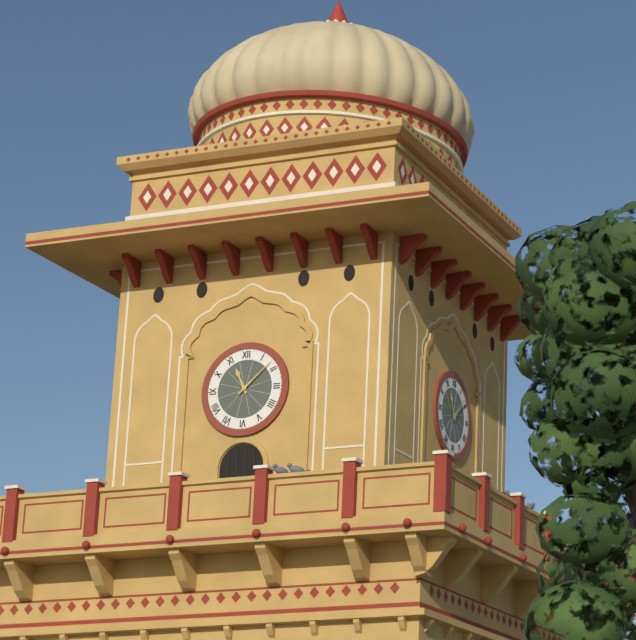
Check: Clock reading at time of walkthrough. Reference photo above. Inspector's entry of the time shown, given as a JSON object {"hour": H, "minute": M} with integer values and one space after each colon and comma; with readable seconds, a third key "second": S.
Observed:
{"hour": 11, "minute": 8}
